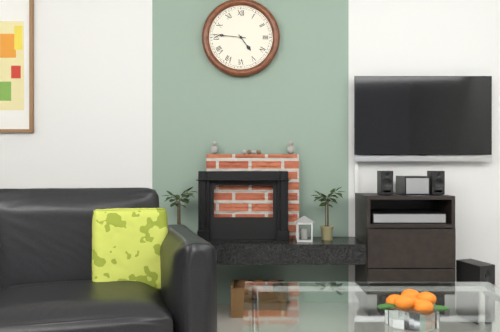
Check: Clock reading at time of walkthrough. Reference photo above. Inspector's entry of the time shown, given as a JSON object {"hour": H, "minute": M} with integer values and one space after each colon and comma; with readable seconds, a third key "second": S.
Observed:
{"hour": 4, "minute": 46}
